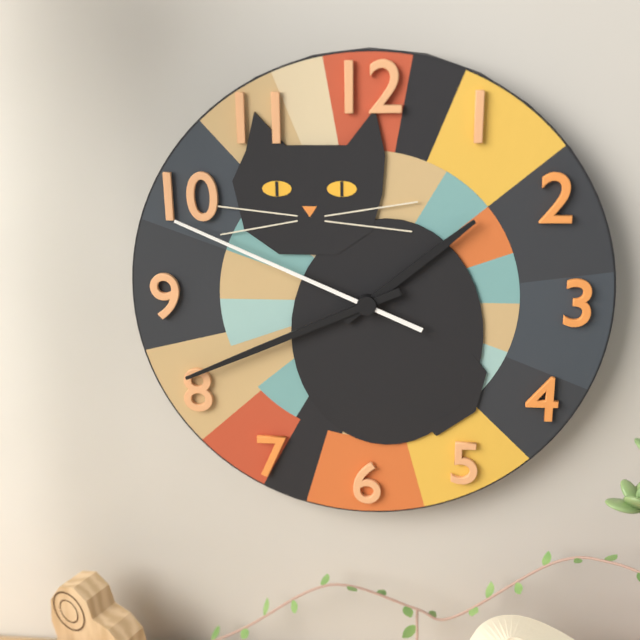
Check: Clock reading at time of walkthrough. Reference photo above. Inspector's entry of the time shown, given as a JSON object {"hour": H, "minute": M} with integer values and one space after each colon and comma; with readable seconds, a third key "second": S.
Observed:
{"hour": 1, "minute": 41, "second": 49}
